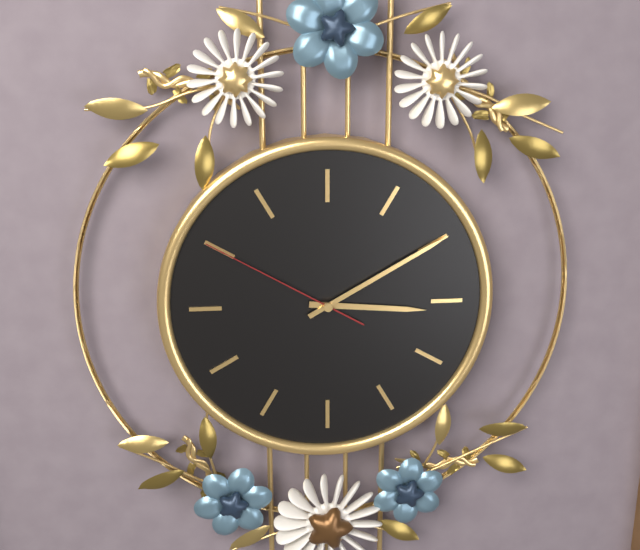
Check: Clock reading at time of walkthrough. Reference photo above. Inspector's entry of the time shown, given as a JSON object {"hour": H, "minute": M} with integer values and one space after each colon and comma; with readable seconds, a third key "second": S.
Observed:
{"hour": 3, "minute": 10, "second": 50}
